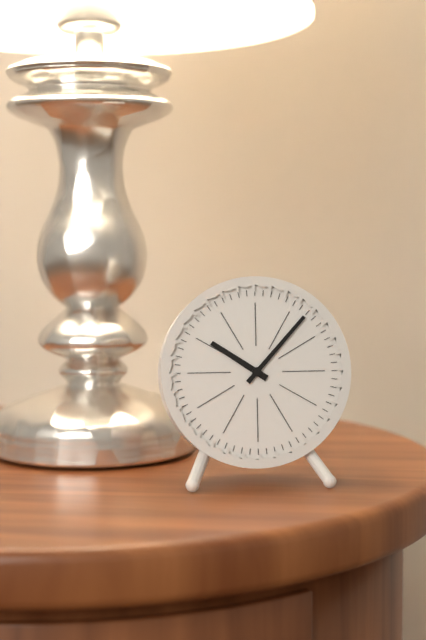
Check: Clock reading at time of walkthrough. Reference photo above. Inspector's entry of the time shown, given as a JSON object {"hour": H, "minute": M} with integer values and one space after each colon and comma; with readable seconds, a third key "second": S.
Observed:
{"hour": 10, "minute": 7}
